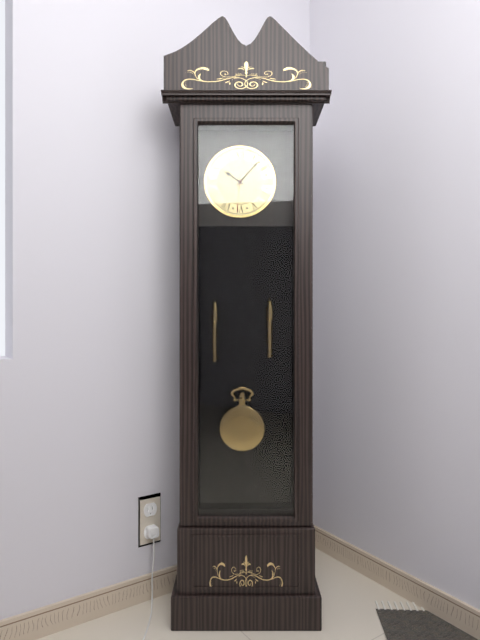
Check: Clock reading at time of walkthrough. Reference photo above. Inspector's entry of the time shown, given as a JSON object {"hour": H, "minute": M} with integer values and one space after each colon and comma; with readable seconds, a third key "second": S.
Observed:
{"hour": 10, "minute": 7}
